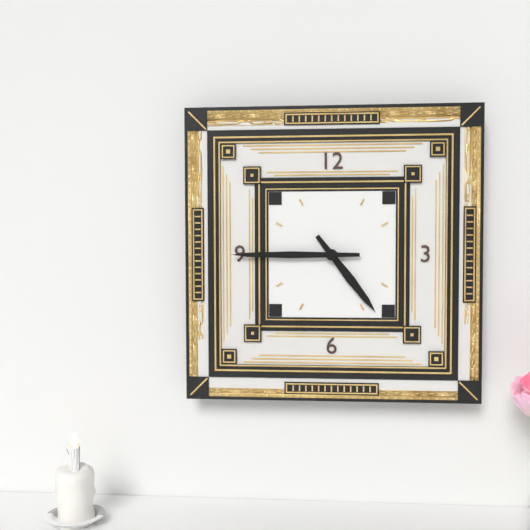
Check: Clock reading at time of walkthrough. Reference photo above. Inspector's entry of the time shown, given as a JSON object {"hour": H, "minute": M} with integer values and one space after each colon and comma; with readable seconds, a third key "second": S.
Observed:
{"hour": 4, "minute": 45}
